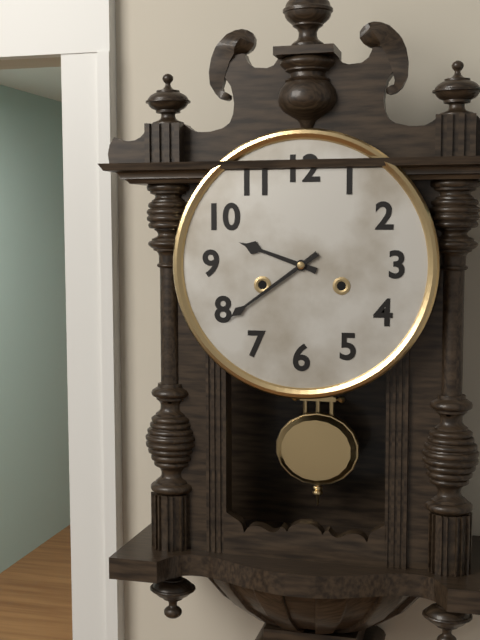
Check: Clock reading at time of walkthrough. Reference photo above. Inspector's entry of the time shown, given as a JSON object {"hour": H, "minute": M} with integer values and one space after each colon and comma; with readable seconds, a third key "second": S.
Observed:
{"hour": 9, "minute": 39}
